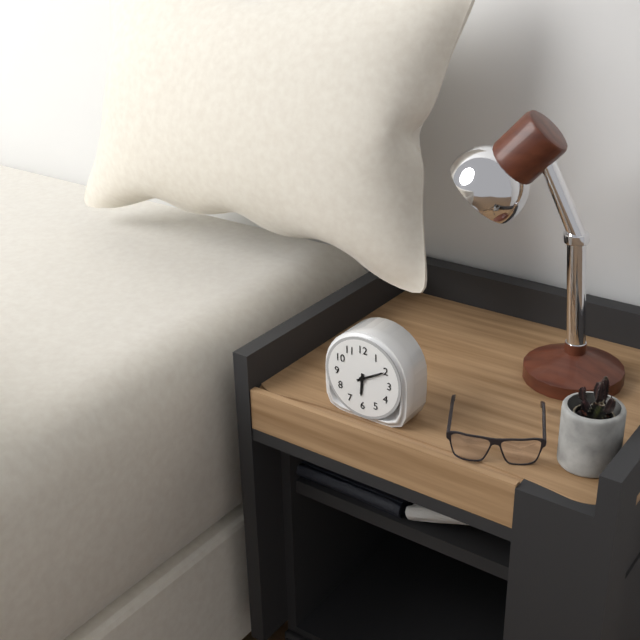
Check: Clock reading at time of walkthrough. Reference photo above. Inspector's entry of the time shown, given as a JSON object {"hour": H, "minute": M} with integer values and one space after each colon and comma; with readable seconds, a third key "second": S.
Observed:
{"hour": 6, "minute": 10}
